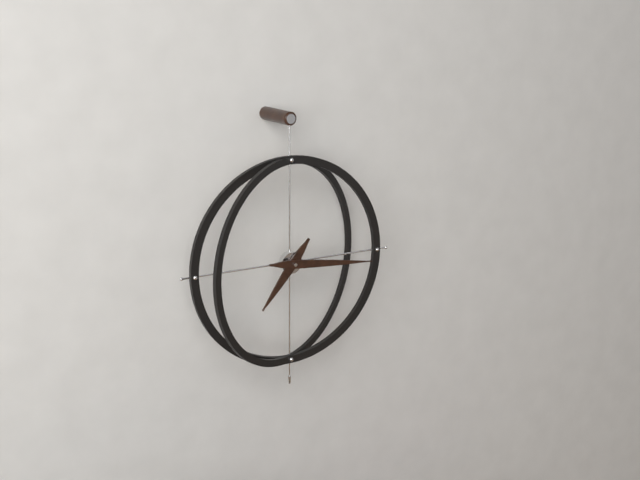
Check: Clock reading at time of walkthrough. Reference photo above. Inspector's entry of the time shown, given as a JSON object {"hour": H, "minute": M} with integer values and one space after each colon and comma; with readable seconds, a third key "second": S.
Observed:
{"hour": 7, "minute": 16}
